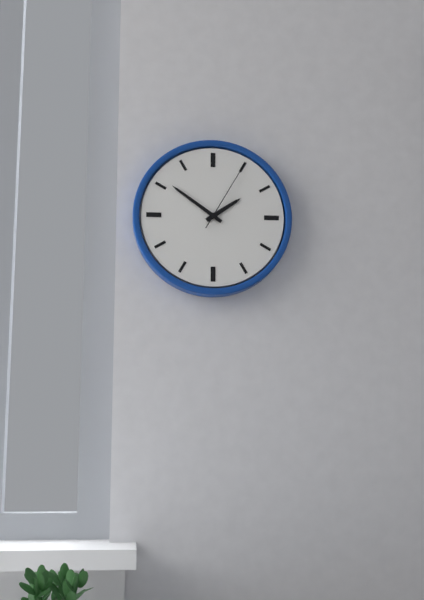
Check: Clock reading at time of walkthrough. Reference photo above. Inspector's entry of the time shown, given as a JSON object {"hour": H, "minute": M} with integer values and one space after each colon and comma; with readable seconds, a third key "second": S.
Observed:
{"hour": 1, "minute": 51, "second": 5}
